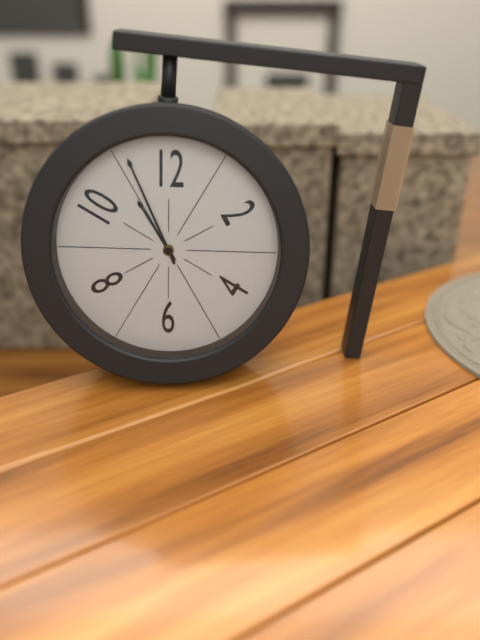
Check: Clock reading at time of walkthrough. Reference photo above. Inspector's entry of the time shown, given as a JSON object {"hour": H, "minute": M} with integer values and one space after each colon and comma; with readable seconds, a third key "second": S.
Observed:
{"hour": 10, "minute": 56}
